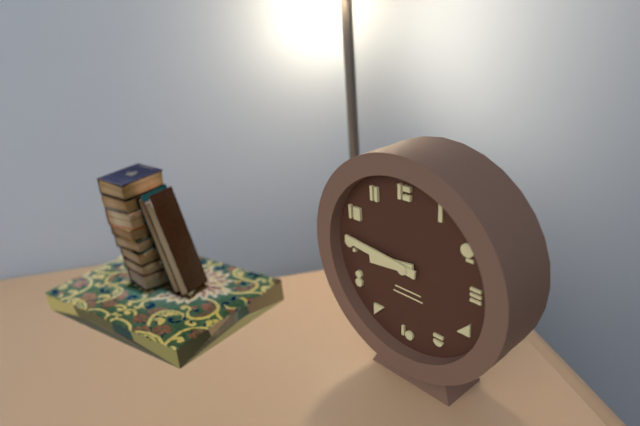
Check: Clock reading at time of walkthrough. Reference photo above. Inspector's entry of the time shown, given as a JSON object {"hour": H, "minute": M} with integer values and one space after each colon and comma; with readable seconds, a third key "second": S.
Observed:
{"hour": 8, "minute": 46}
